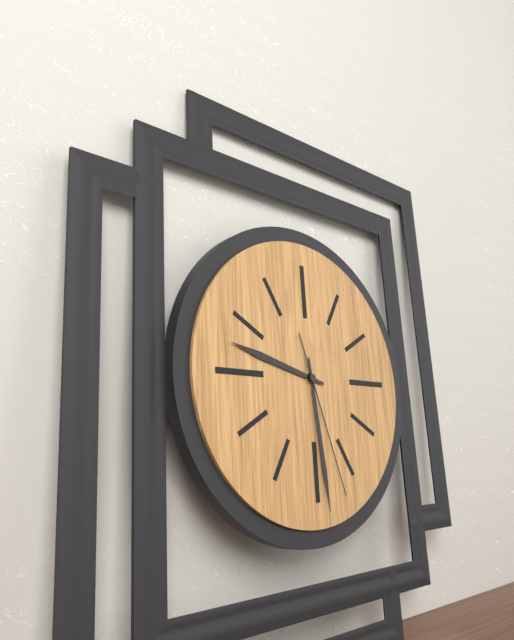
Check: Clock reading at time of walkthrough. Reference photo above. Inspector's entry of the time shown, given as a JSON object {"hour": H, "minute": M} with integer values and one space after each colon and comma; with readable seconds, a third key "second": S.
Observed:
{"hour": 9, "minute": 29, "second": 27}
